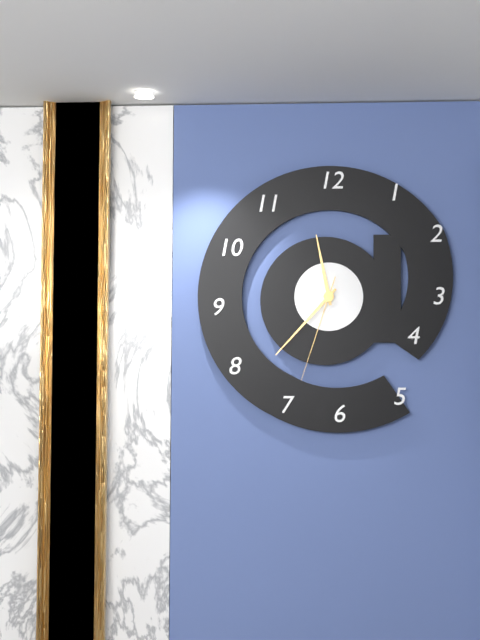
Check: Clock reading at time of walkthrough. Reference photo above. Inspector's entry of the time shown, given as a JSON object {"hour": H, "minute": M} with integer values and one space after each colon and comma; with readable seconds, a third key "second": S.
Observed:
{"hour": 11, "minute": 37, "second": 33}
